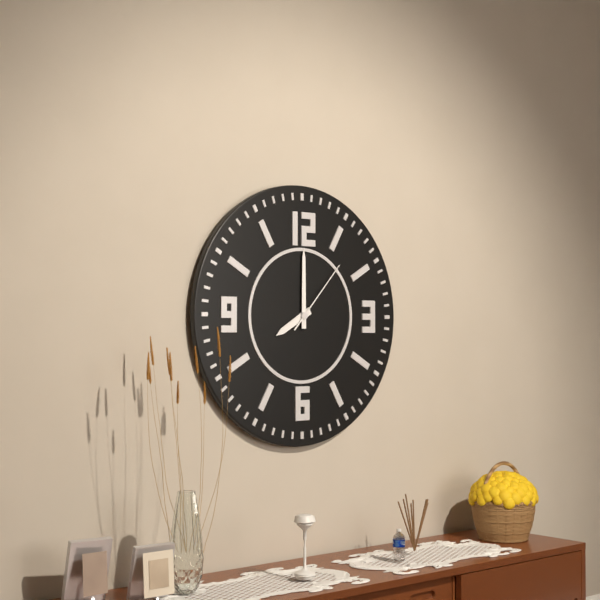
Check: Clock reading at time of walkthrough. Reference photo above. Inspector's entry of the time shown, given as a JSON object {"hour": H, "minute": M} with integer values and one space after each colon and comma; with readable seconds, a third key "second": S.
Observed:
{"hour": 8, "minute": 0, "second": 7}
